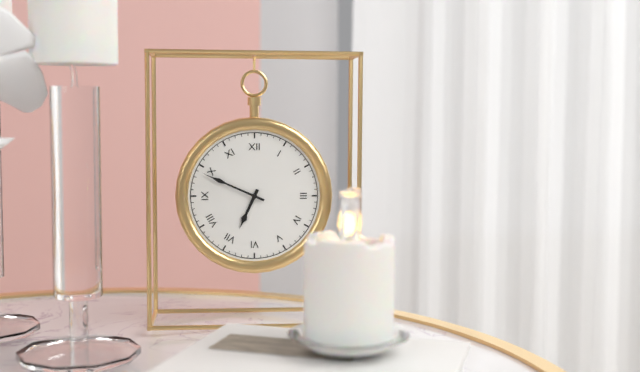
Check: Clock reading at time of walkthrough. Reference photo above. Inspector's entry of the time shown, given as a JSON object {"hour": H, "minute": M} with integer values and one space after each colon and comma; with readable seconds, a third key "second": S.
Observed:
{"hour": 6, "minute": 49}
